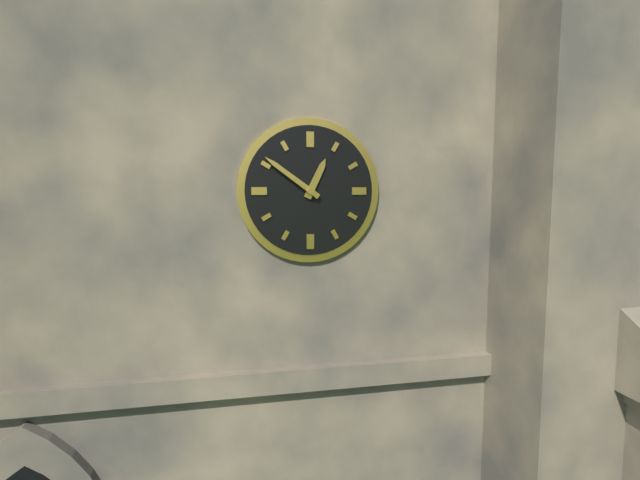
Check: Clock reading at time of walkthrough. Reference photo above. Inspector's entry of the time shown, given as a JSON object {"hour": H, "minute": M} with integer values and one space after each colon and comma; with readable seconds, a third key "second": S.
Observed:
{"hour": 12, "minute": 51}
